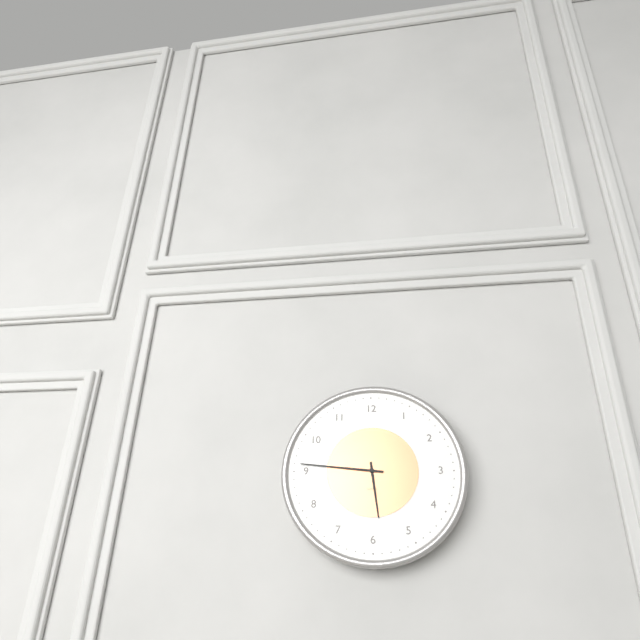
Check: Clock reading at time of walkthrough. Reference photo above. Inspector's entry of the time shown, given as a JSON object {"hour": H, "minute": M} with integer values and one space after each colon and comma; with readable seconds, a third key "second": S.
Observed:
{"hour": 5, "minute": 46}
